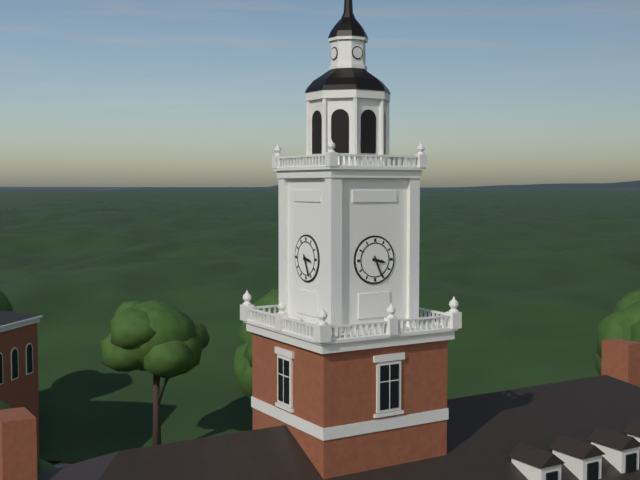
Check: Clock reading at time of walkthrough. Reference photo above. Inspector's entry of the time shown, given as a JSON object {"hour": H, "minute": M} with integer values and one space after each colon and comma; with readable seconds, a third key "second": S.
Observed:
{"hour": 3, "minute": 26}
